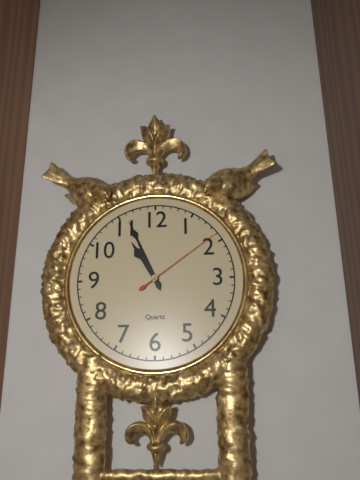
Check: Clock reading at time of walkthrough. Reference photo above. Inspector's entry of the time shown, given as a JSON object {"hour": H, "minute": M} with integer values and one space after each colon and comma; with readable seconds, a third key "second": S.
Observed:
{"hour": 10, "minute": 56, "second": 9}
